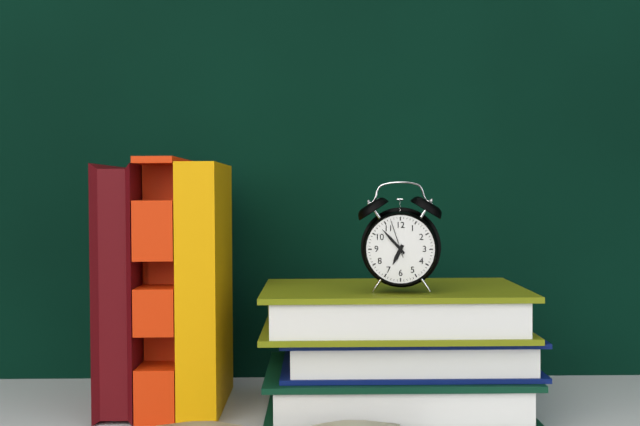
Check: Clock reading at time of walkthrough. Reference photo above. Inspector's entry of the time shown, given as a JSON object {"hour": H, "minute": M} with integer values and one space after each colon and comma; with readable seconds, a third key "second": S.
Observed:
{"hour": 6, "minute": 53}
